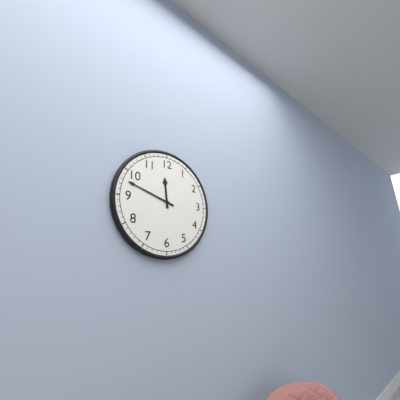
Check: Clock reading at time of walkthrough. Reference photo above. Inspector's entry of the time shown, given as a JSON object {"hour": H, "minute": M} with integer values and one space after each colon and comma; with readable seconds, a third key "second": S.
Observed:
{"hour": 11, "minute": 48}
